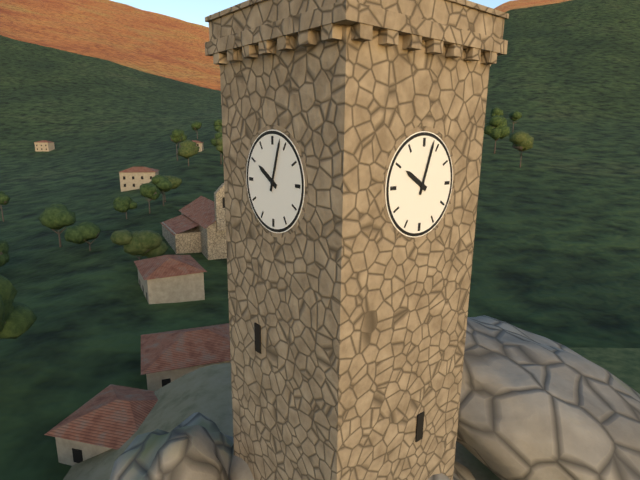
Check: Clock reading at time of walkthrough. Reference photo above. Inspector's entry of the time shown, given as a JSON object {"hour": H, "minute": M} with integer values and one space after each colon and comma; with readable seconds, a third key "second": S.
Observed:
{"hour": 10, "minute": 3}
